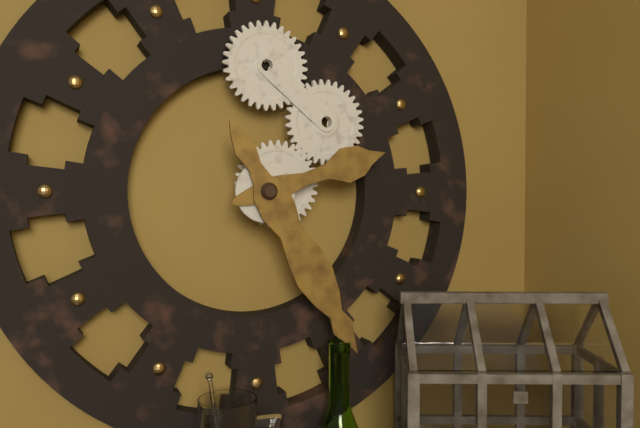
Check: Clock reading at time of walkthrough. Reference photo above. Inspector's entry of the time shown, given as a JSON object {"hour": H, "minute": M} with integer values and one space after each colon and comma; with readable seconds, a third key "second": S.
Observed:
{"hour": 2, "minute": 25}
